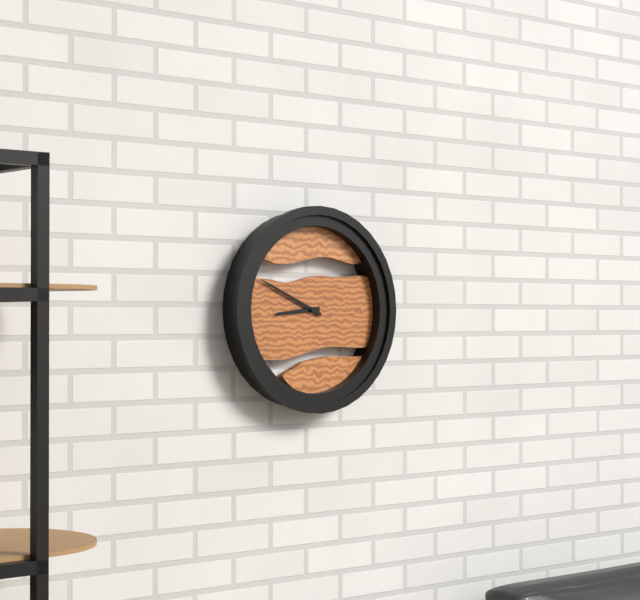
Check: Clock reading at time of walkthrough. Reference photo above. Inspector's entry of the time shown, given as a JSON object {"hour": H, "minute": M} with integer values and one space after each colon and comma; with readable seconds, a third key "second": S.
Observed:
{"hour": 8, "minute": 49}
